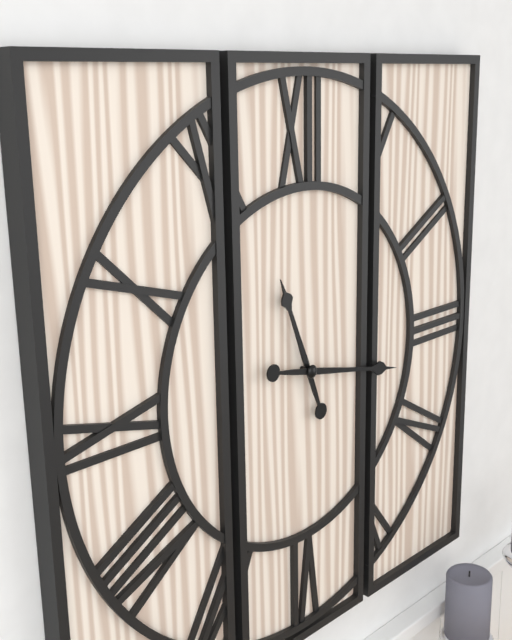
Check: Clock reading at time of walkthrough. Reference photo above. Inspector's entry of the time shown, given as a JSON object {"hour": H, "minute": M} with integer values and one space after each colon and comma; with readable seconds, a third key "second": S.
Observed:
{"hour": 11, "minute": 17}
